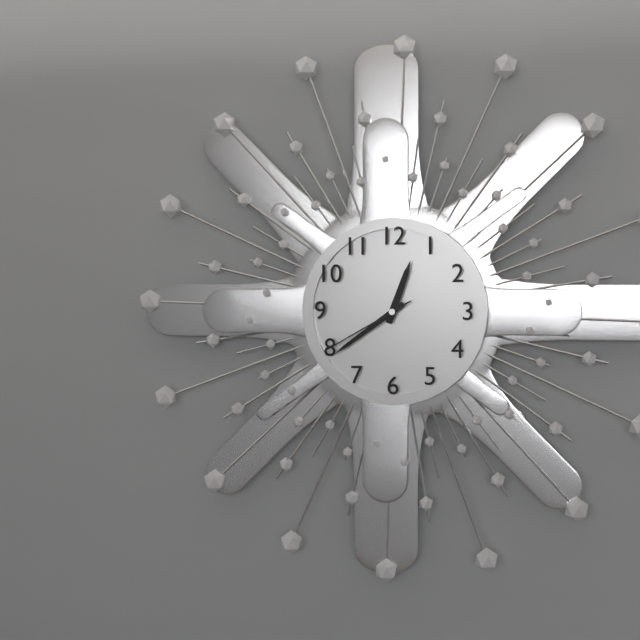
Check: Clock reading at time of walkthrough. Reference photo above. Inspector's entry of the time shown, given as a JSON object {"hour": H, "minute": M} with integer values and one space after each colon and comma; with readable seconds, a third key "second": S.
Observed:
{"hour": 12, "minute": 39, "second": 40}
